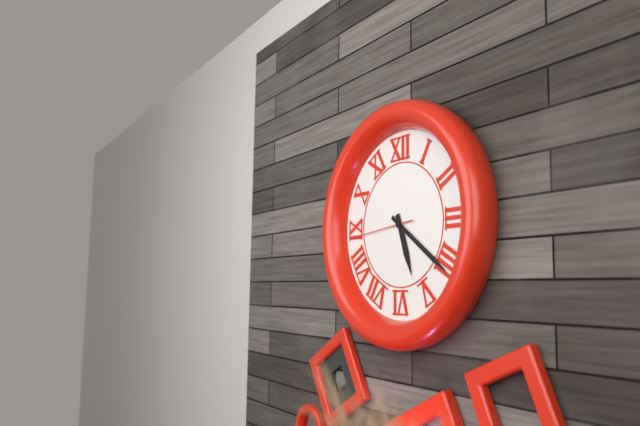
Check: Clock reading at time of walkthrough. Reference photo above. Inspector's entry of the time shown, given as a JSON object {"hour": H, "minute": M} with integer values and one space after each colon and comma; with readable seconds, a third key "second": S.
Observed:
{"hour": 5, "minute": 21, "second": 44}
